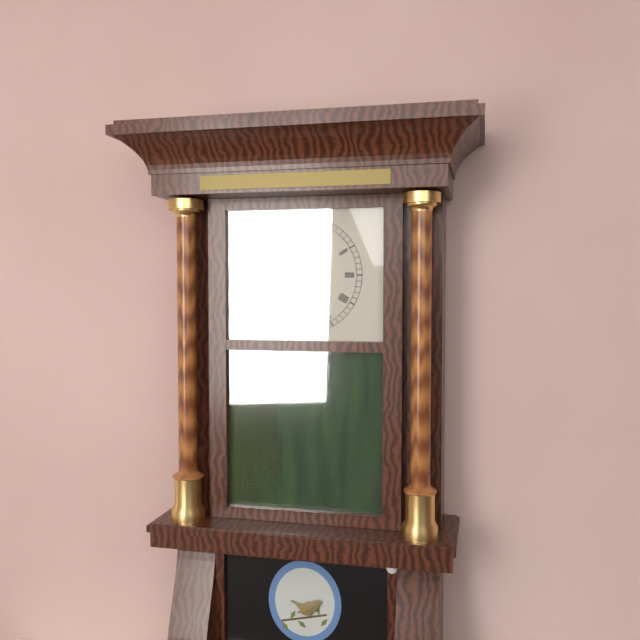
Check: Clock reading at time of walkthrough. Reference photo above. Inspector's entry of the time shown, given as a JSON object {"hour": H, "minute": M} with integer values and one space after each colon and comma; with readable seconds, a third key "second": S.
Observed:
{"hour": 1, "minute": 37}
